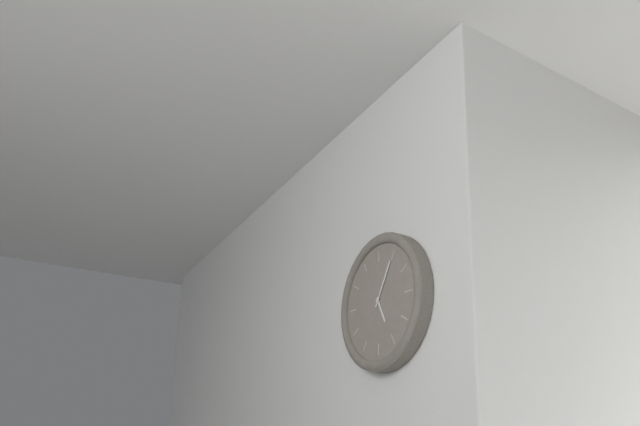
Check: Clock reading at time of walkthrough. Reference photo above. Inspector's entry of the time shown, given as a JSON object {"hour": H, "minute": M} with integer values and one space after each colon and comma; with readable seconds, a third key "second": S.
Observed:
{"hour": 5, "minute": 5}
